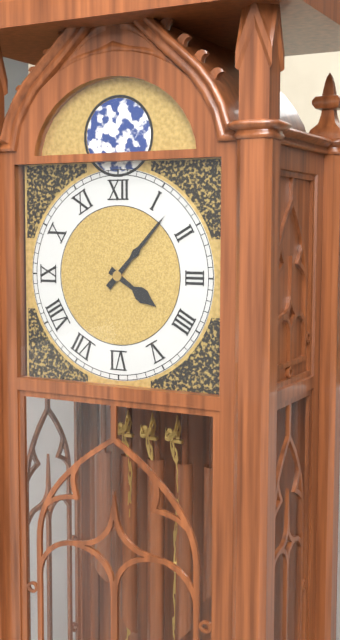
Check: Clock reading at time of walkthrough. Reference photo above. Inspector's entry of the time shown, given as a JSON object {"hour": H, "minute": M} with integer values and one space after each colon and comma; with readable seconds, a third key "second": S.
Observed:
{"hour": 4, "minute": 7}
